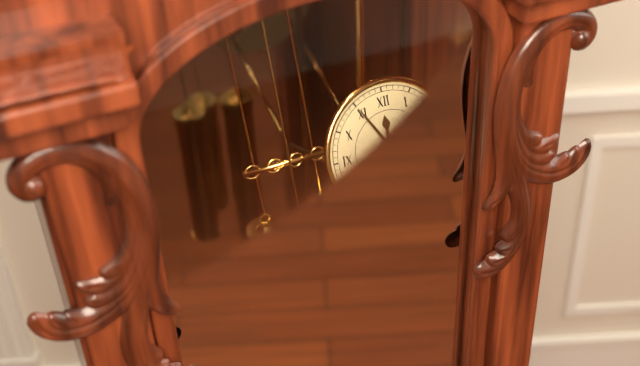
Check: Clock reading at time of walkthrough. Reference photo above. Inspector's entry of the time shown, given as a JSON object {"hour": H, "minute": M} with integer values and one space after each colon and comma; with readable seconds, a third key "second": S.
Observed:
{"hour": 11, "minute": 55}
